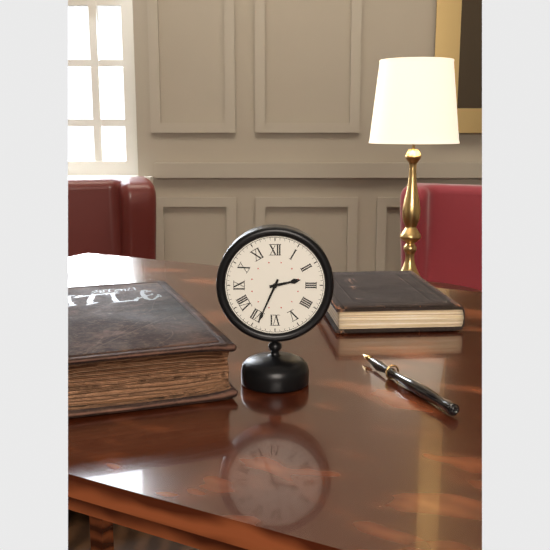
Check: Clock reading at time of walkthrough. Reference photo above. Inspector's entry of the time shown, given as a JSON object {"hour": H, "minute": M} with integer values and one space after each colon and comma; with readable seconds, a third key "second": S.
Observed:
{"hour": 2, "minute": 34}
